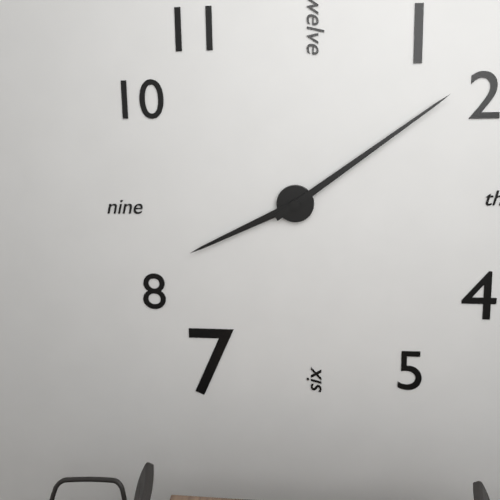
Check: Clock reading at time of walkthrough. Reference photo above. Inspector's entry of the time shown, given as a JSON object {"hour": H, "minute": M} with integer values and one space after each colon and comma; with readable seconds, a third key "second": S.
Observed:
{"hour": 8, "minute": 9}
